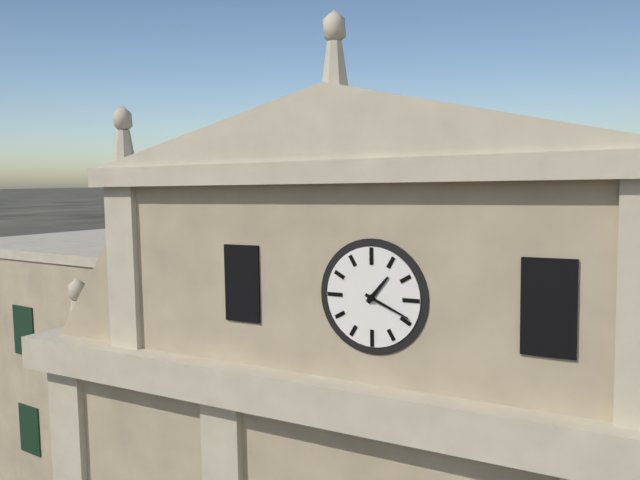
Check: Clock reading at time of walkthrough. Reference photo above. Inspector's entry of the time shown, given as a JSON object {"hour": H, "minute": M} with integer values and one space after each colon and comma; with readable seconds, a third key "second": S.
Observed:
{"hour": 1, "minute": 19}
